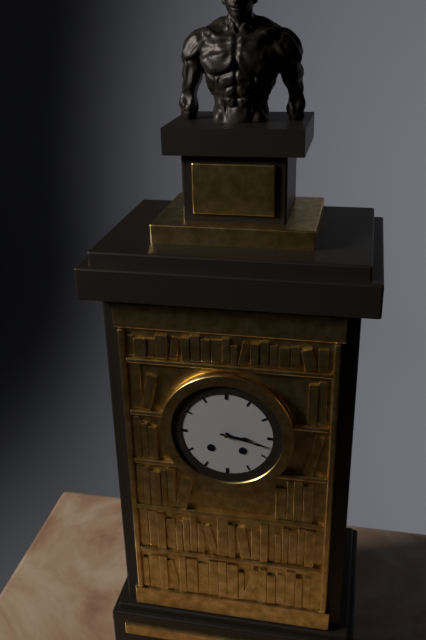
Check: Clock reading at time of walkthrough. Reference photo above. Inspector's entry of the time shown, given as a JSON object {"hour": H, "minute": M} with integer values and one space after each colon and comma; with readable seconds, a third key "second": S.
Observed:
{"hour": 3, "minute": 17}
